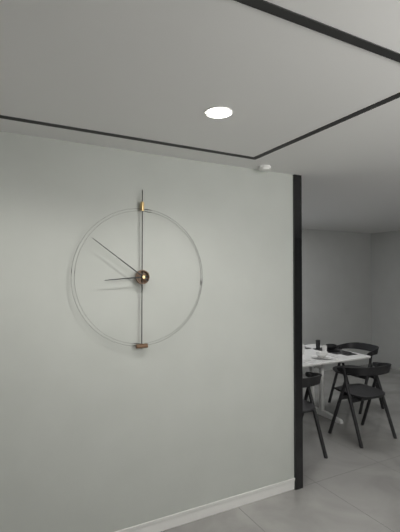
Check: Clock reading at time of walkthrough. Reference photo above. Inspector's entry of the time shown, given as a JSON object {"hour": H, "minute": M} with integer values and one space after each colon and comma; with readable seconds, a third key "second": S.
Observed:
{"hour": 8, "minute": 51}
